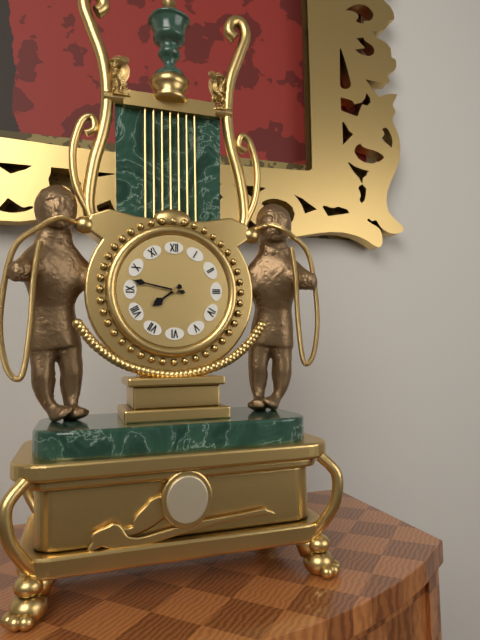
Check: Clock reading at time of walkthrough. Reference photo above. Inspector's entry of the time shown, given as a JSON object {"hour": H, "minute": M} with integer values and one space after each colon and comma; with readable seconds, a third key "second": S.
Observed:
{"hour": 7, "minute": 47}
